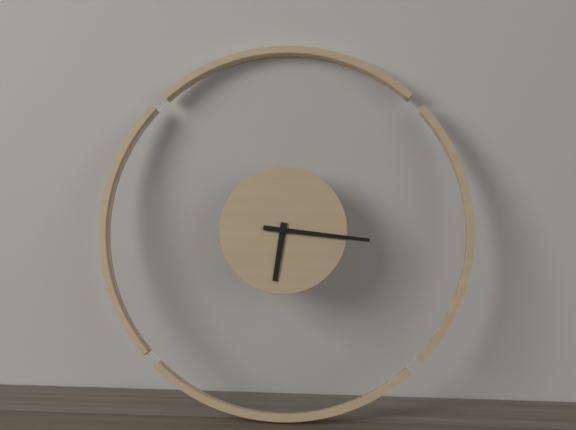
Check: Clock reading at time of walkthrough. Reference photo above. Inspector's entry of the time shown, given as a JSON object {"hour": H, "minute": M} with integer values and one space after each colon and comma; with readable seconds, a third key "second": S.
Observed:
{"hour": 6, "minute": 16}
